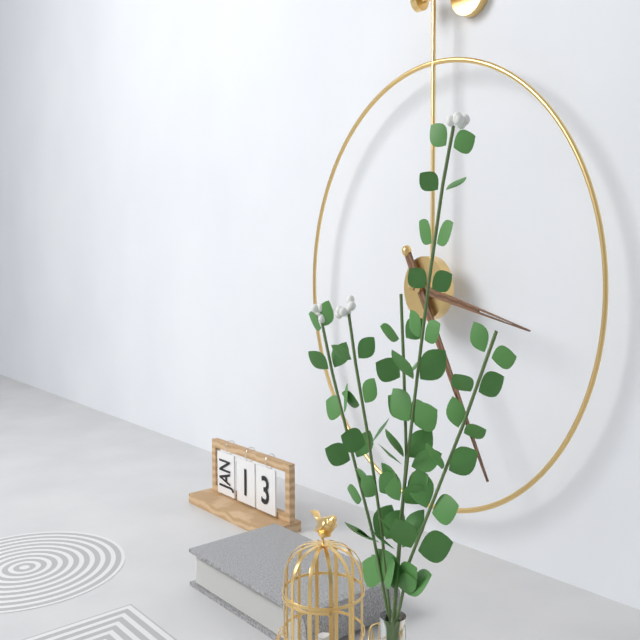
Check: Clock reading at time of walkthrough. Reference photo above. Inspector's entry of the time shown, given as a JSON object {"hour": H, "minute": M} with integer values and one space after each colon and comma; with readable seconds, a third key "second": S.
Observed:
{"hour": 3, "minute": 25}
